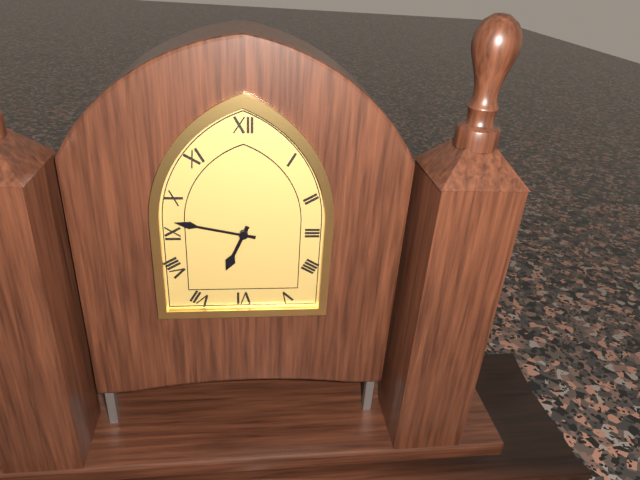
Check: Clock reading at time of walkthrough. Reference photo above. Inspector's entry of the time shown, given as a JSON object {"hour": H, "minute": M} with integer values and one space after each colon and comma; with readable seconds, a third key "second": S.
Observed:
{"hour": 6, "minute": 47}
